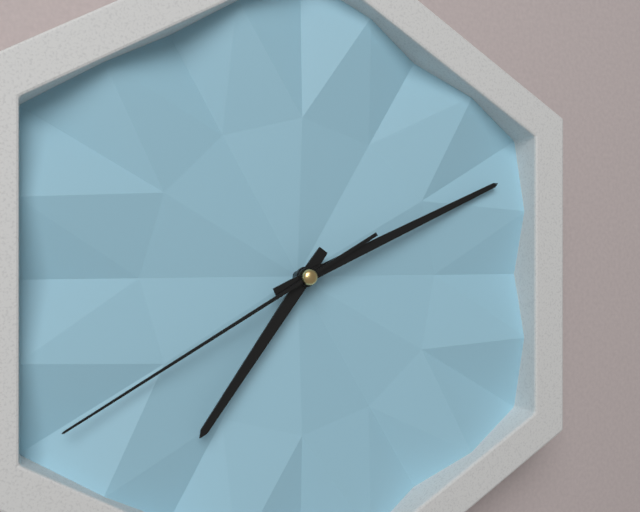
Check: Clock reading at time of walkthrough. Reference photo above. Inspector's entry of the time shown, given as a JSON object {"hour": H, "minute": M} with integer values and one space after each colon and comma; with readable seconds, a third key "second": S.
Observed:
{"hour": 7, "minute": 11, "second": 40}
